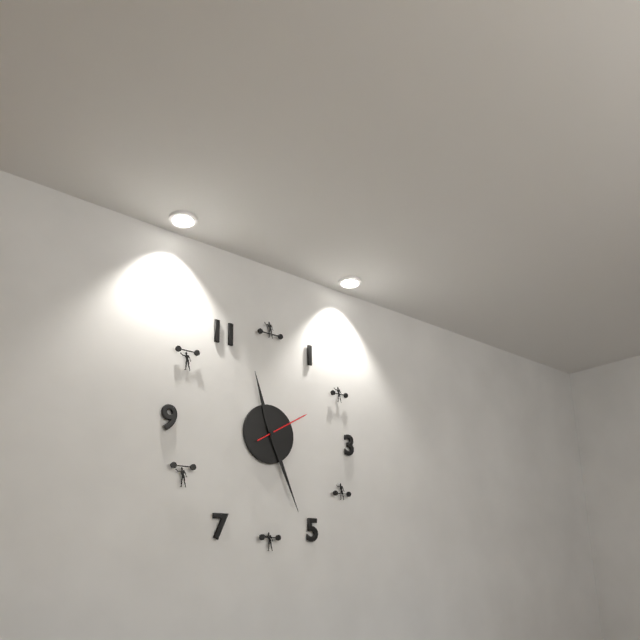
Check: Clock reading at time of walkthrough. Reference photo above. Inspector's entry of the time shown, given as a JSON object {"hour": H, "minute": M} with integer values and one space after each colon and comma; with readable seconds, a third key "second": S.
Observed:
{"hour": 11, "minute": 26, "second": 10}
